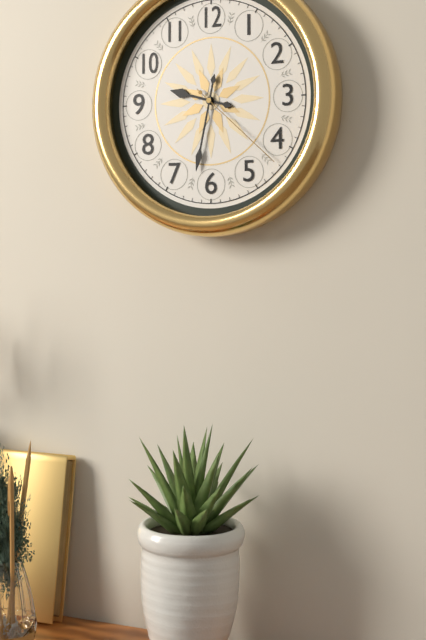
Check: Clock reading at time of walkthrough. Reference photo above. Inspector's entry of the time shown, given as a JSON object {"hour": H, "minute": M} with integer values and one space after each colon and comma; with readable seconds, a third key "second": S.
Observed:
{"hour": 9, "minute": 32, "second": 22}
